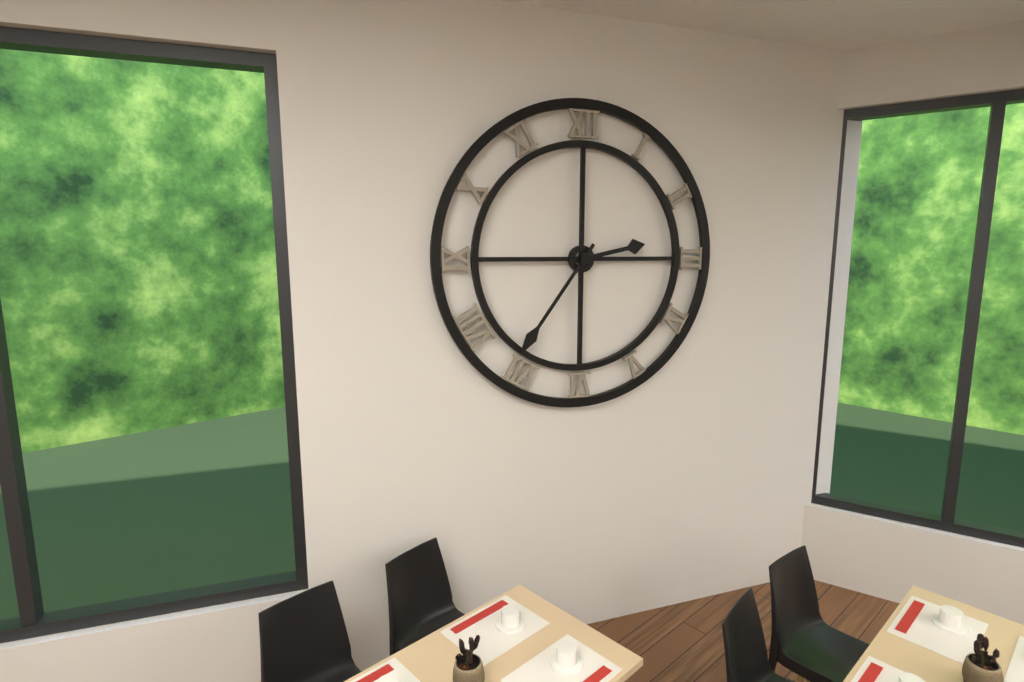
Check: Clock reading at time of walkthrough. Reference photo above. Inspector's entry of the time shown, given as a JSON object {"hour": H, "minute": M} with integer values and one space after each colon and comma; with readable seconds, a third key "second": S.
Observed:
{"hour": 2, "minute": 36}
